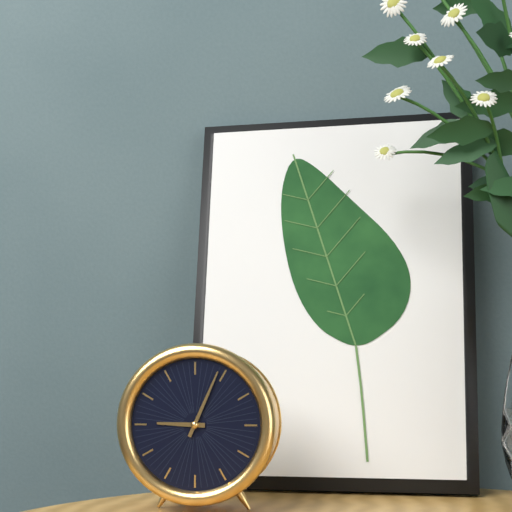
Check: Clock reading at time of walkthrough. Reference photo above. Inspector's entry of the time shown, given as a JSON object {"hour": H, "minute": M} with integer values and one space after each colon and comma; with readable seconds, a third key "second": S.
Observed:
{"hour": 9, "minute": 4}
